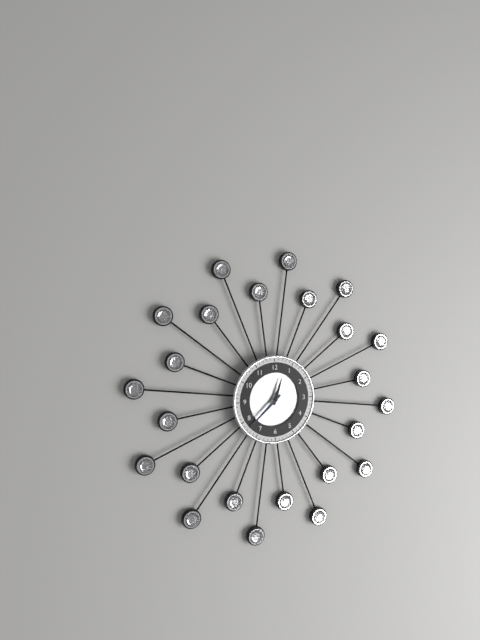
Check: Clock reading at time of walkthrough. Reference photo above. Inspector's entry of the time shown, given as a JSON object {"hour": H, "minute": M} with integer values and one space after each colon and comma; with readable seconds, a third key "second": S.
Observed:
{"hour": 12, "minute": 38}
